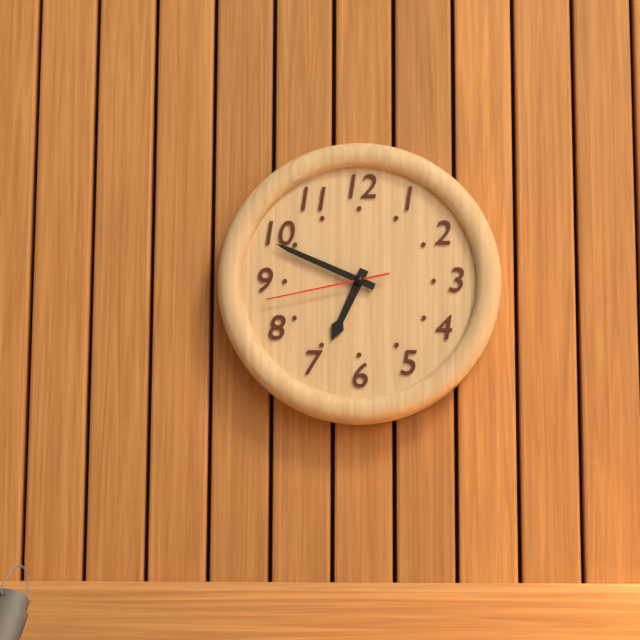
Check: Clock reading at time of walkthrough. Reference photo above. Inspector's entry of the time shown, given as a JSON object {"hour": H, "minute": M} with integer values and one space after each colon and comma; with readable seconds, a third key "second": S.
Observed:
{"hour": 6, "minute": 49, "second": 43}
